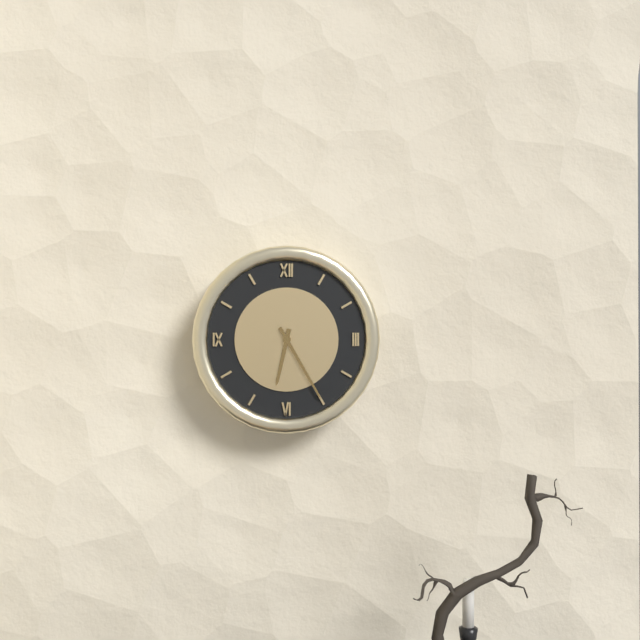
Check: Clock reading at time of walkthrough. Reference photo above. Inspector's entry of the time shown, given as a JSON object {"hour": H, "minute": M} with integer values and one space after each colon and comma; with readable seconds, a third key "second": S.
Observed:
{"hour": 6, "minute": 25}
